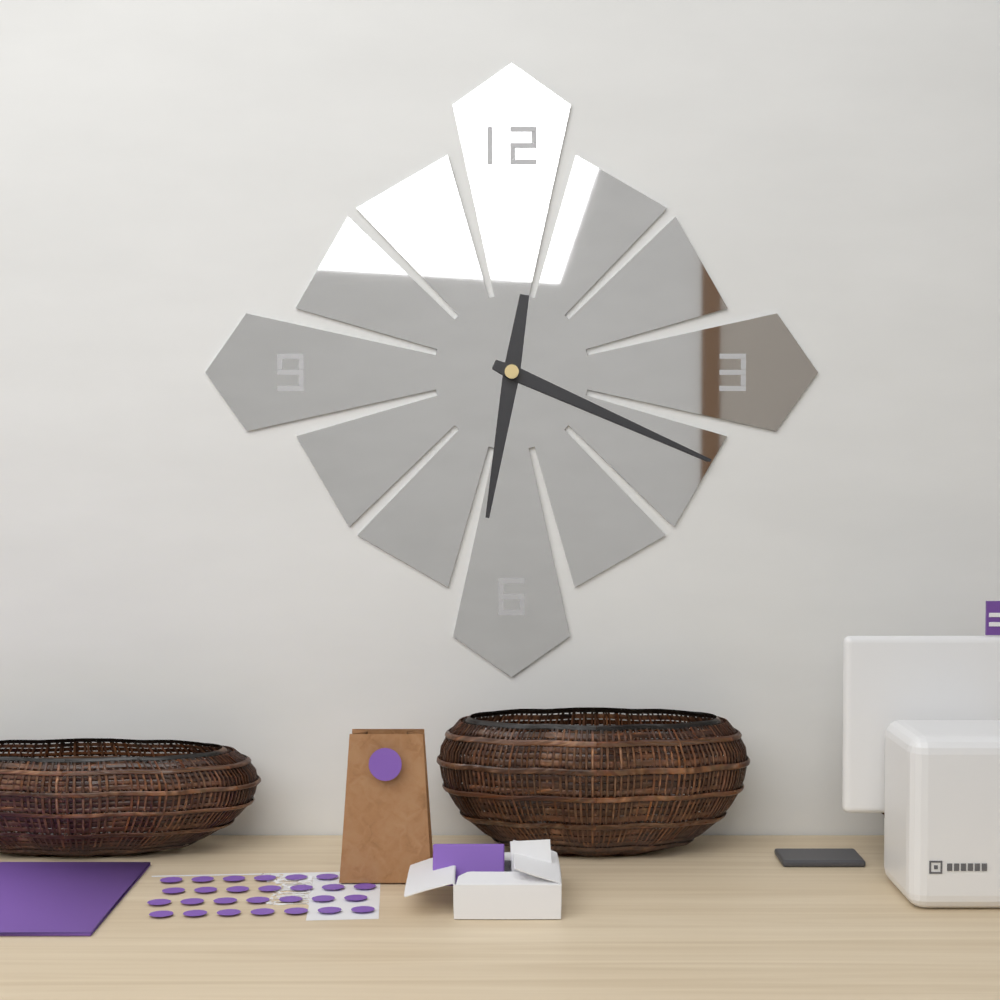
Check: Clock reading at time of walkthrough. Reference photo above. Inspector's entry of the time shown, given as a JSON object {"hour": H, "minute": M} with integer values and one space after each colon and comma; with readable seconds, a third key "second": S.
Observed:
{"hour": 6, "minute": 19}
